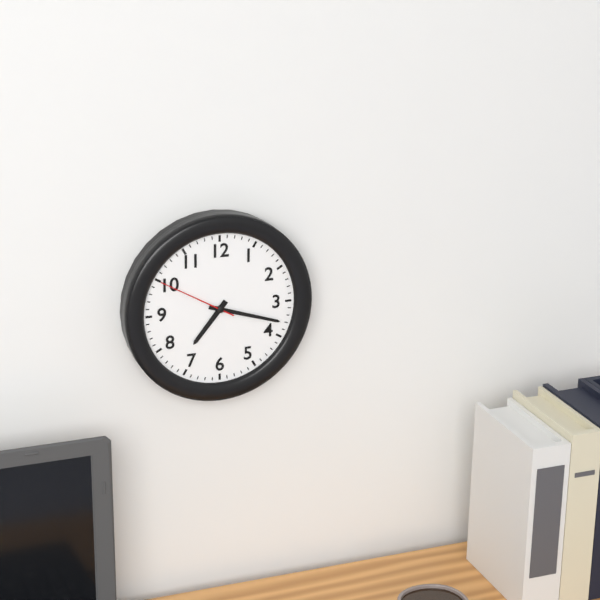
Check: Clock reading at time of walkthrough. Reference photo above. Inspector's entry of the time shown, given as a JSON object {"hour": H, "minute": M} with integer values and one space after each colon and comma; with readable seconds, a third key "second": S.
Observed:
{"hour": 7, "minute": 18, "second": 50}
